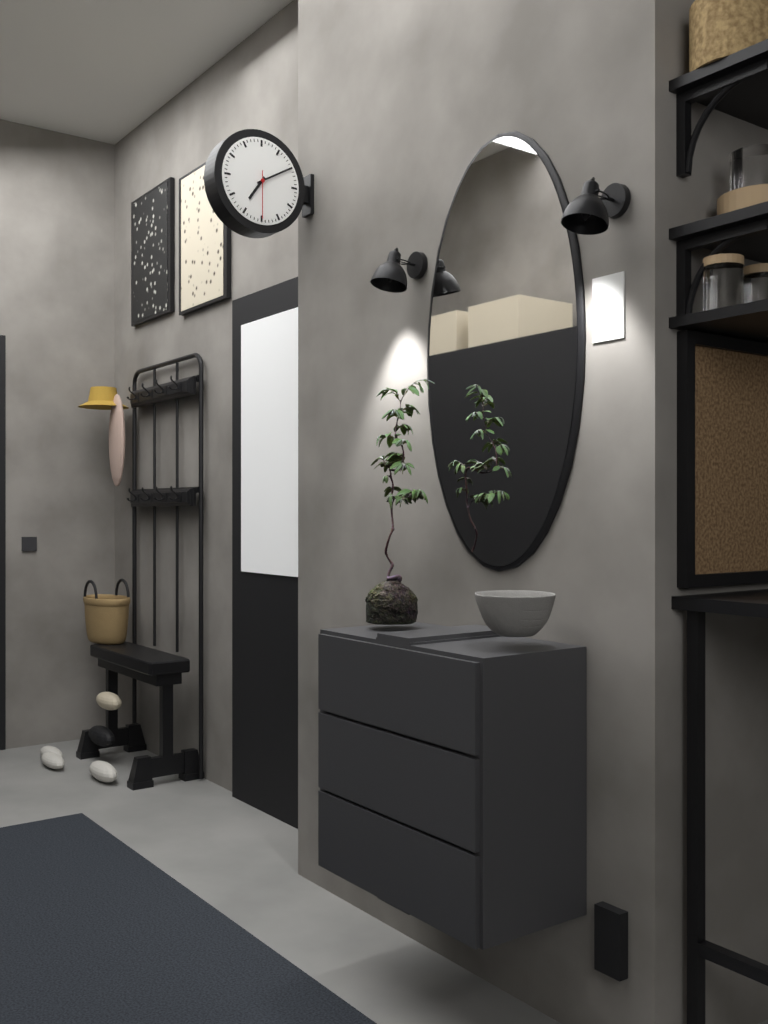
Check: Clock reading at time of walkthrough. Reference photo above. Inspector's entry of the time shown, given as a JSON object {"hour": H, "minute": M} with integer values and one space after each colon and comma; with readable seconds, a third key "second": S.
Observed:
{"hour": 7, "minute": 10}
